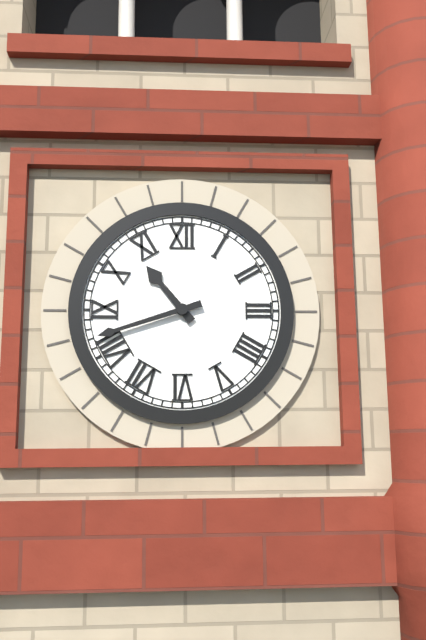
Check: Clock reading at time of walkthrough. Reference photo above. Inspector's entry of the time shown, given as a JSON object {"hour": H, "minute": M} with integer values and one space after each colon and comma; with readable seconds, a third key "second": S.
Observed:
{"hour": 10, "minute": 42}
